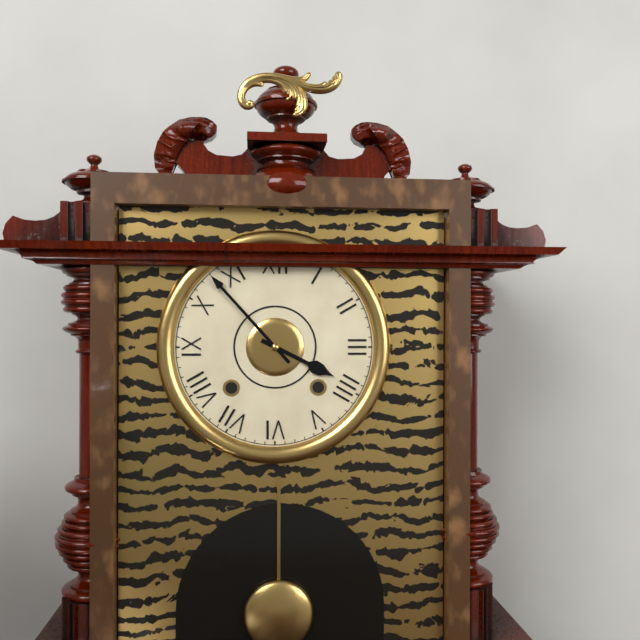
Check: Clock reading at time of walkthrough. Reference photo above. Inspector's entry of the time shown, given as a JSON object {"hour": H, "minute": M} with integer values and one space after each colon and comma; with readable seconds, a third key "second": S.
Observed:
{"hour": 3, "minute": 53}
